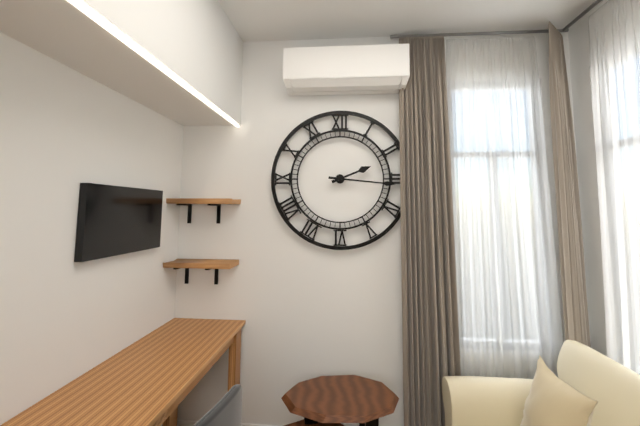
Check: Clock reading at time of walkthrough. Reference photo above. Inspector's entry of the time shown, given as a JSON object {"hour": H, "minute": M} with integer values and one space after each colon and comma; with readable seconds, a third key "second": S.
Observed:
{"hour": 2, "minute": 16}
